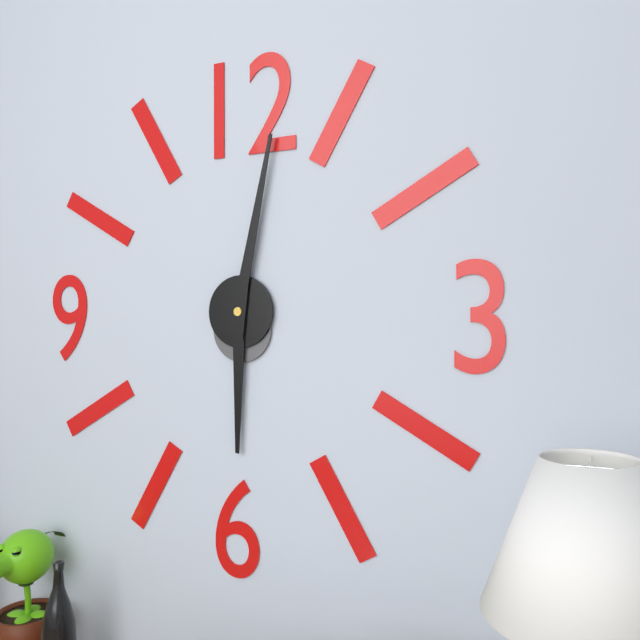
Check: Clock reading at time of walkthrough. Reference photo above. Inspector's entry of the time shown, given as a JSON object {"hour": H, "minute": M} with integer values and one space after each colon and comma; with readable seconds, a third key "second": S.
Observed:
{"hour": 6, "minute": 2}
